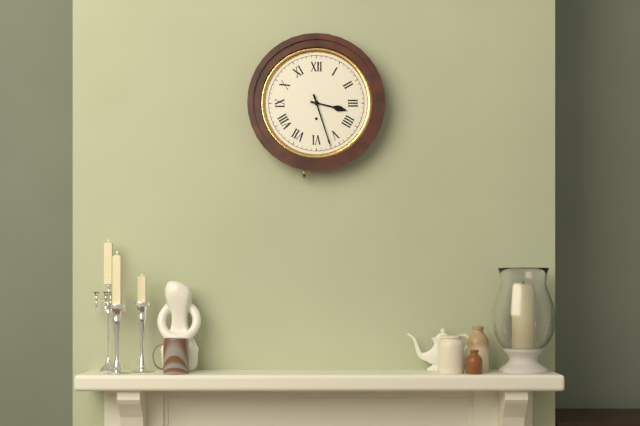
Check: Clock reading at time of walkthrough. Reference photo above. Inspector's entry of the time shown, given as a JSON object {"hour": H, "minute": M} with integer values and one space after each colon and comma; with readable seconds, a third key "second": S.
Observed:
{"hour": 3, "minute": 27}
